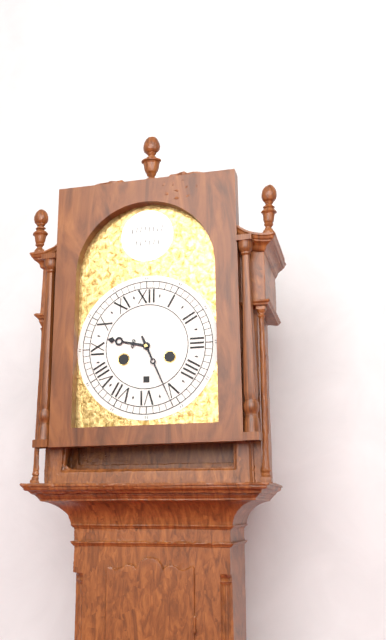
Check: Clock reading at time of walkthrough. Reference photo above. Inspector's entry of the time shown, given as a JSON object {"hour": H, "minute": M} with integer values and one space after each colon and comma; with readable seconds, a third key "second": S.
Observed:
{"hour": 9, "minute": 26}
